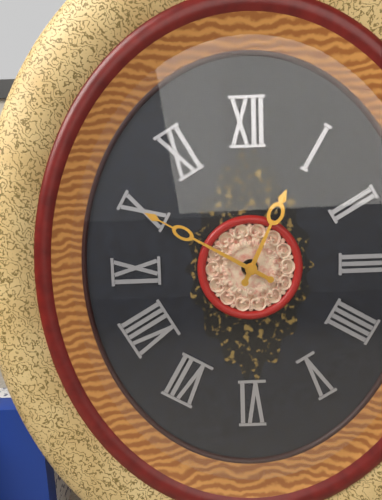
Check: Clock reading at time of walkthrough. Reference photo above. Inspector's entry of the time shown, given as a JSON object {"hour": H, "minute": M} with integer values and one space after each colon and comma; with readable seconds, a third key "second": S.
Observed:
{"hour": 12, "minute": 50}
